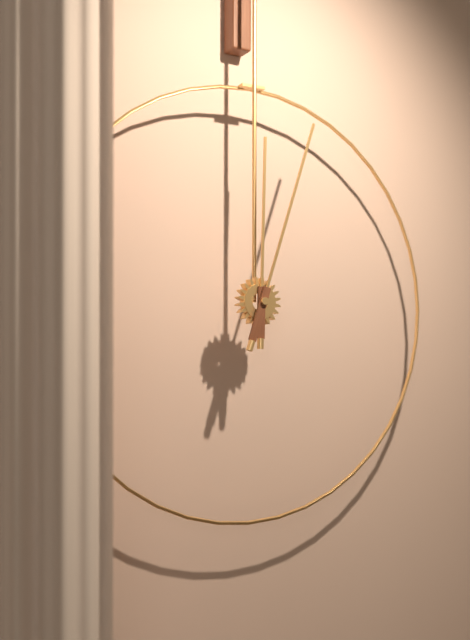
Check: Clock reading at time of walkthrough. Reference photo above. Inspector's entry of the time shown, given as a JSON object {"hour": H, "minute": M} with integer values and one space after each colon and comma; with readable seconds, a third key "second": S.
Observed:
{"hour": 12, "minute": 3}
